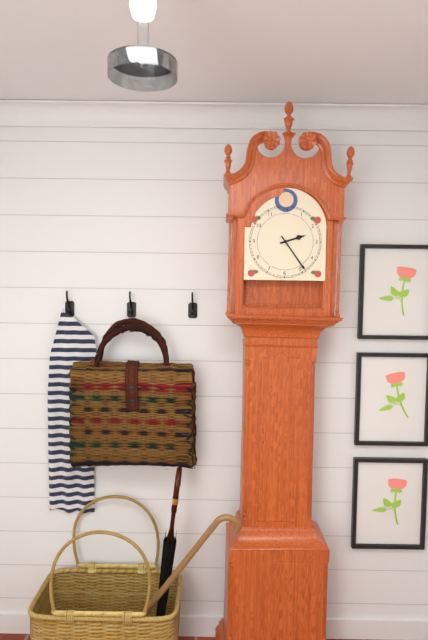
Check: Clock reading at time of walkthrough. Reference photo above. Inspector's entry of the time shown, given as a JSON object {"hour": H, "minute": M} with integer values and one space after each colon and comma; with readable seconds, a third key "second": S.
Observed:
{"hour": 2, "minute": 24}
